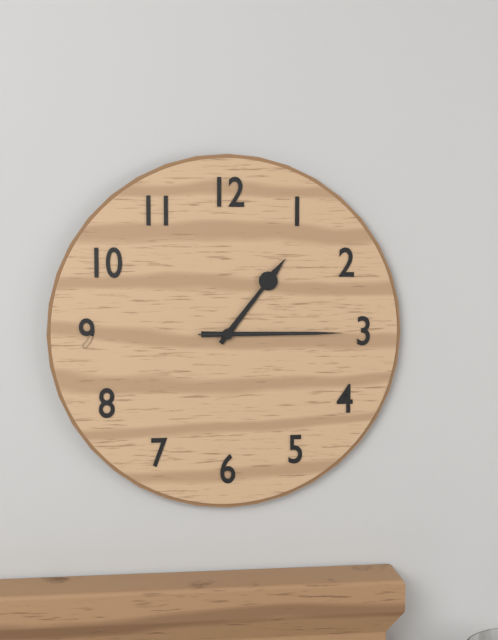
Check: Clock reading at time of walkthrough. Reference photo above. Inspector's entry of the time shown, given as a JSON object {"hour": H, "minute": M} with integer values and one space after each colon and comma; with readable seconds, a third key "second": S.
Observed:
{"hour": 1, "minute": 15, "second": 15}
